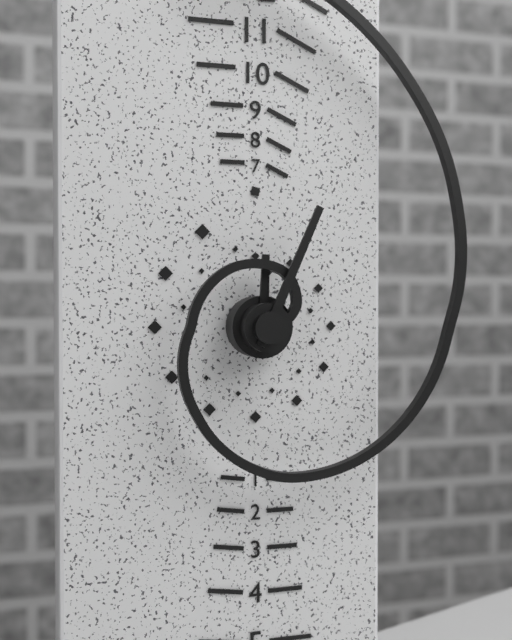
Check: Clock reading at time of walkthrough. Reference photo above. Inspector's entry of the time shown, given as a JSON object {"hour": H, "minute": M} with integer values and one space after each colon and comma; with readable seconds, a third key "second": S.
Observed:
{"hour": 12, "minute": 4}
